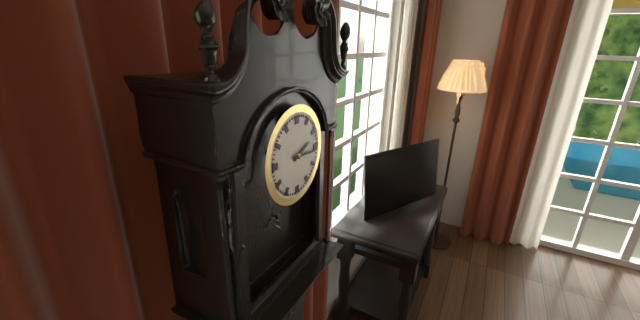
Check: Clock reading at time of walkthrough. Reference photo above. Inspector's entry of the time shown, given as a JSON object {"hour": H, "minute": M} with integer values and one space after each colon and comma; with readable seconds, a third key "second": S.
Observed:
{"hour": 2, "minute": 16}
